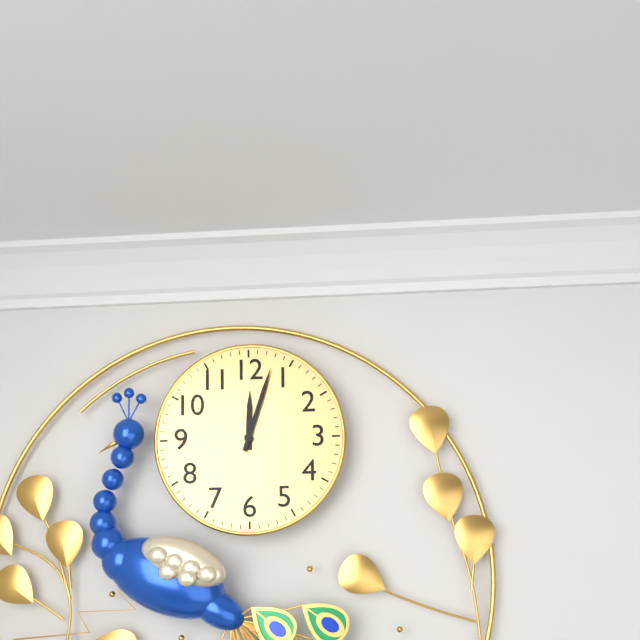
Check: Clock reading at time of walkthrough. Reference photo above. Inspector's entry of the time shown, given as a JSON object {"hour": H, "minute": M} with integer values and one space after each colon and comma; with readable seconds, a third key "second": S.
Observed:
{"hour": 12, "minute": 3}
